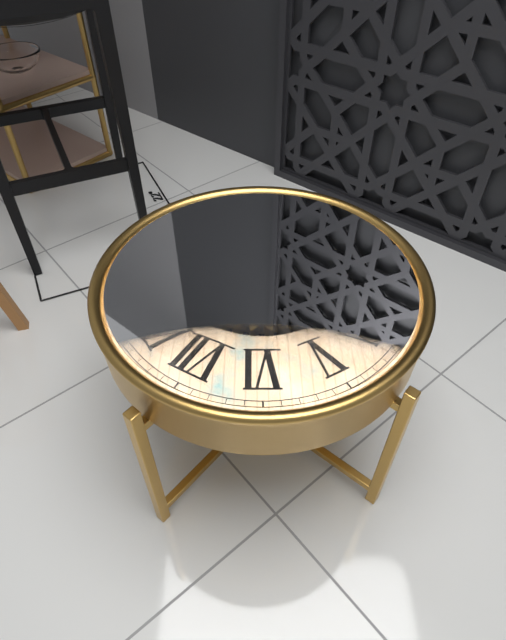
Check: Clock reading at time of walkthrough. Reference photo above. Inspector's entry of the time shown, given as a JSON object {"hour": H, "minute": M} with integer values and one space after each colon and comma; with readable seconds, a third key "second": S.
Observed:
{"hour": 8, "minute": 56}
